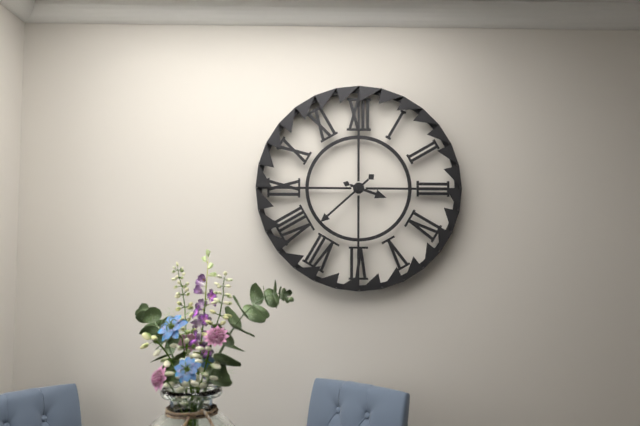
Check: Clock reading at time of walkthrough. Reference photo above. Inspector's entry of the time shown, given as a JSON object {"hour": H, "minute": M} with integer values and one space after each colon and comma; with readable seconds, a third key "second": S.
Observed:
{"hour": 3, "minute": 38}
